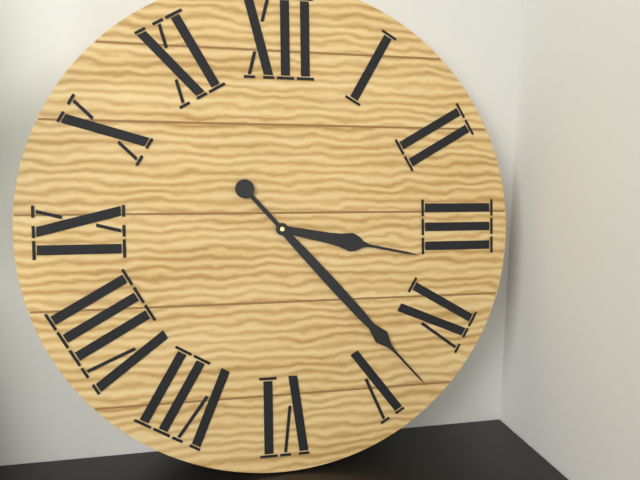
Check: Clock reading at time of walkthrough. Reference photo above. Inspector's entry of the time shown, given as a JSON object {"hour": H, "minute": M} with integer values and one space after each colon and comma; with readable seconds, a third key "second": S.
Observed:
{"hour": 3, "minute": 23}
